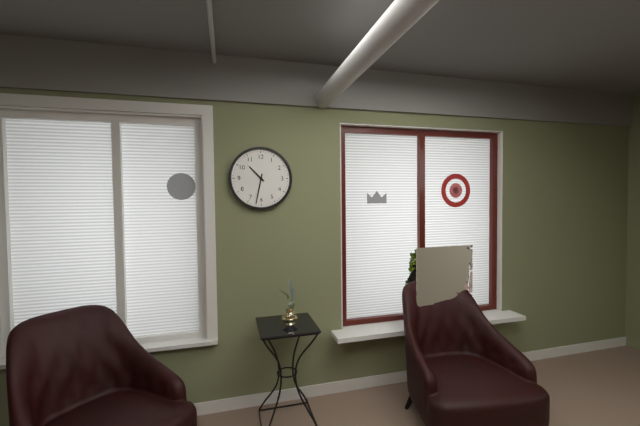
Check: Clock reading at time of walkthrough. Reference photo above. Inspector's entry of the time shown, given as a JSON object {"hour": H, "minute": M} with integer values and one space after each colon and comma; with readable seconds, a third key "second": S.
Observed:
{"hour": 10, "minute": 32}
